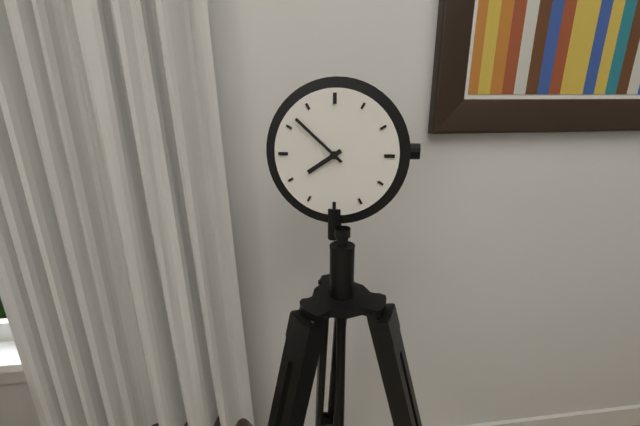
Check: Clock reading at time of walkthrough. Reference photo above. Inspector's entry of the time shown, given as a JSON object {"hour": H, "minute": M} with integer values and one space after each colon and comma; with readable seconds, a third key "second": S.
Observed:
{"hour": 7, "minute": 52}
